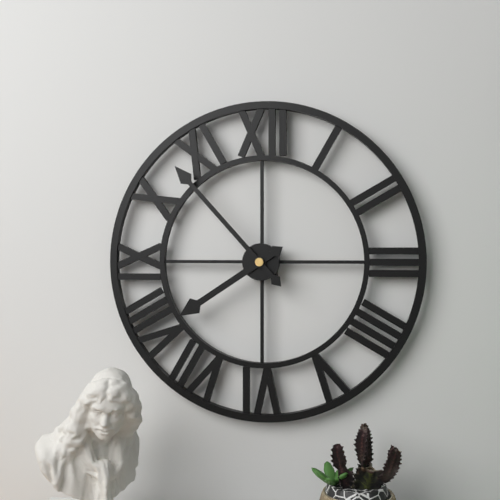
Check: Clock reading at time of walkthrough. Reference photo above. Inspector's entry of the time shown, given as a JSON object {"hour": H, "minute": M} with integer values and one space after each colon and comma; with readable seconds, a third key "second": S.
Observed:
{"hour": 7, "minute": 53}
